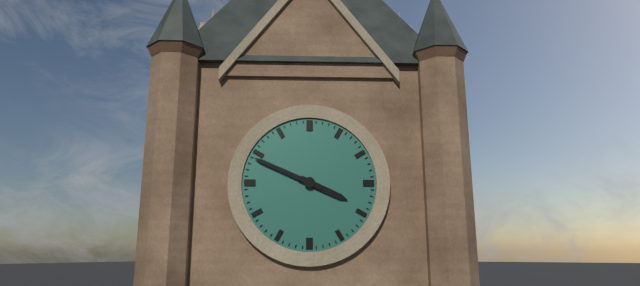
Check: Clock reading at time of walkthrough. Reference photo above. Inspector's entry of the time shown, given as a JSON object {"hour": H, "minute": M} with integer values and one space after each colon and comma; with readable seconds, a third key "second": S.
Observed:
{"hour": 3, "minute": 49}
